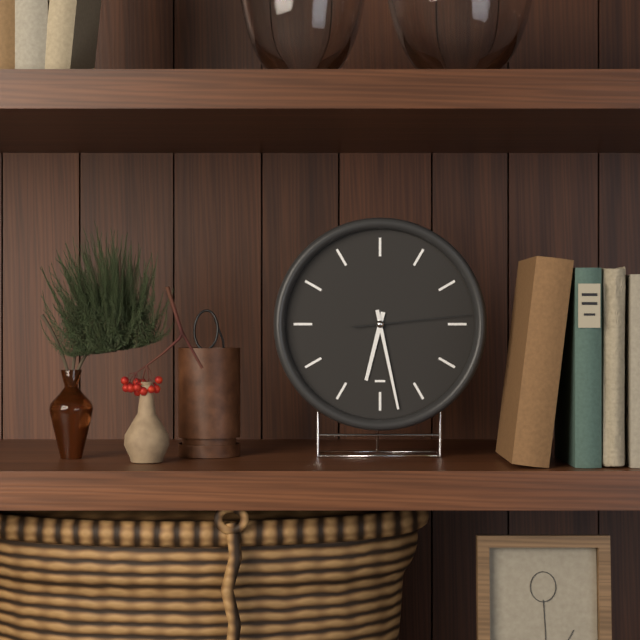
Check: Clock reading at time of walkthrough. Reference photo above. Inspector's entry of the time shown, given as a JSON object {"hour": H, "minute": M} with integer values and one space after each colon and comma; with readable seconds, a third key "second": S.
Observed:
{"hour": 6, "minute": 28, "second": 14}
